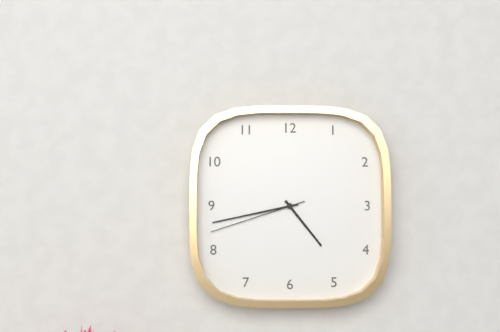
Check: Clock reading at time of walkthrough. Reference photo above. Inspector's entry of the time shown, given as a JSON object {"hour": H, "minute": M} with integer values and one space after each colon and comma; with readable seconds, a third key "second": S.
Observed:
{"hour": 4, "minute": 43, "second": 42}
